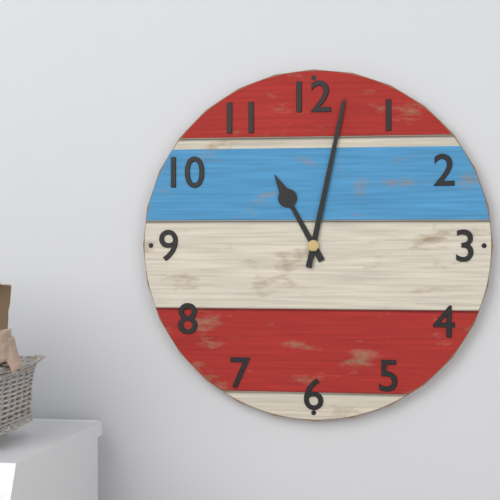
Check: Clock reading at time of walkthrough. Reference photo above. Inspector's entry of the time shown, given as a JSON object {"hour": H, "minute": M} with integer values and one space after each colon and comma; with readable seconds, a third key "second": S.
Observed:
{"hour": 11, "minute": 2}
